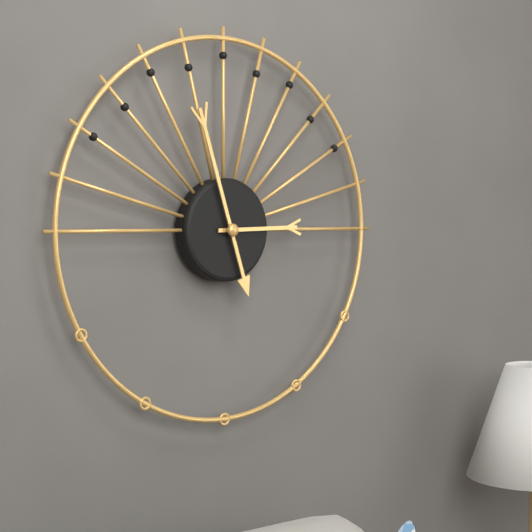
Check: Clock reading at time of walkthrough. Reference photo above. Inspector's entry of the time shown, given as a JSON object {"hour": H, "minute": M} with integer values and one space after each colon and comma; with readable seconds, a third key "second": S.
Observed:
{"hour": 2, "minute": 57}
